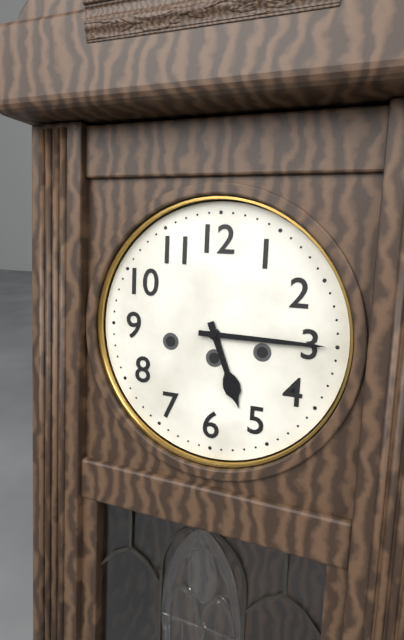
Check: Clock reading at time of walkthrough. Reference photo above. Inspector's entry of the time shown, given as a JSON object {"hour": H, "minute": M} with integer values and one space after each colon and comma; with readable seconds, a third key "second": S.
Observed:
{"hour": 5, "minute": 15}
